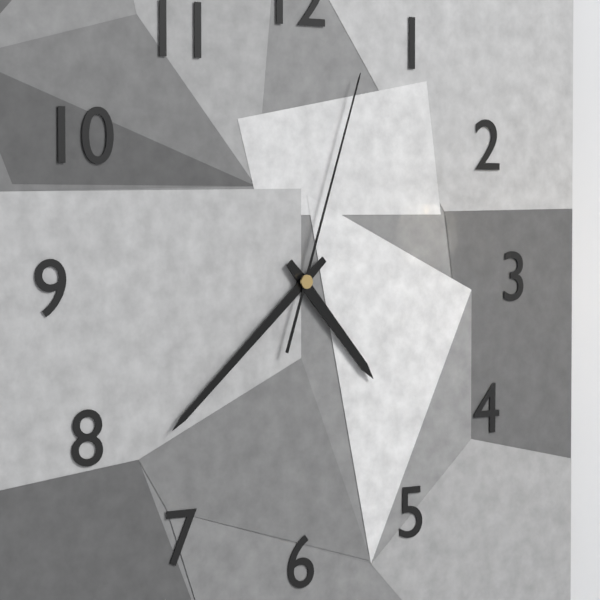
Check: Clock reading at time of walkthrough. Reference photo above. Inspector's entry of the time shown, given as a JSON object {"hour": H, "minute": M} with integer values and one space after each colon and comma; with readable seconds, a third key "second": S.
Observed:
{"hour": 4, "minute": 38, "second": 3}
